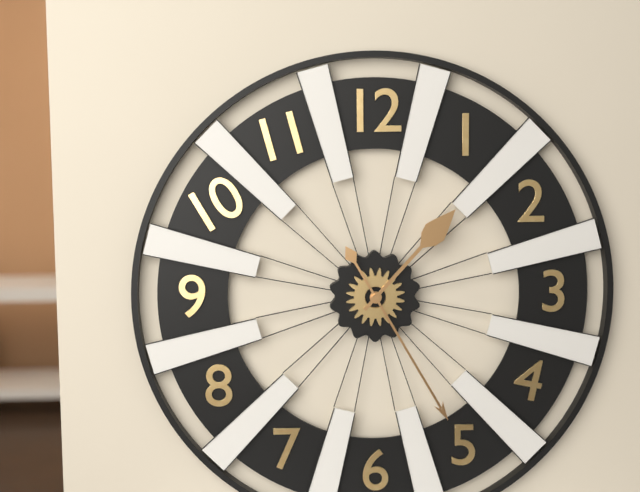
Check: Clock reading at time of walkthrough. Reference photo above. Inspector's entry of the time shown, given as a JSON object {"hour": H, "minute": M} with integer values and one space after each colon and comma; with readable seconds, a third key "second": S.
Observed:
{"hour": 1, "minute": 25}
